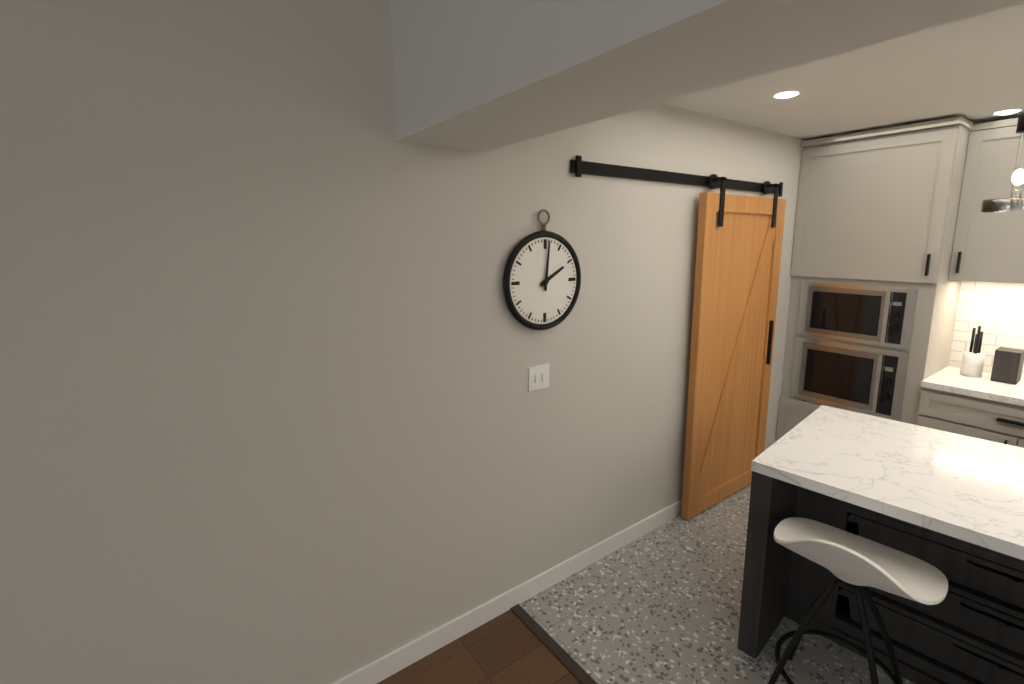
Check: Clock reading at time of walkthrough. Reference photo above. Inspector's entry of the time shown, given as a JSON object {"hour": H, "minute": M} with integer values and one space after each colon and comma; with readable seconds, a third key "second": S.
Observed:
{"hour": 2, "minute": 1}
